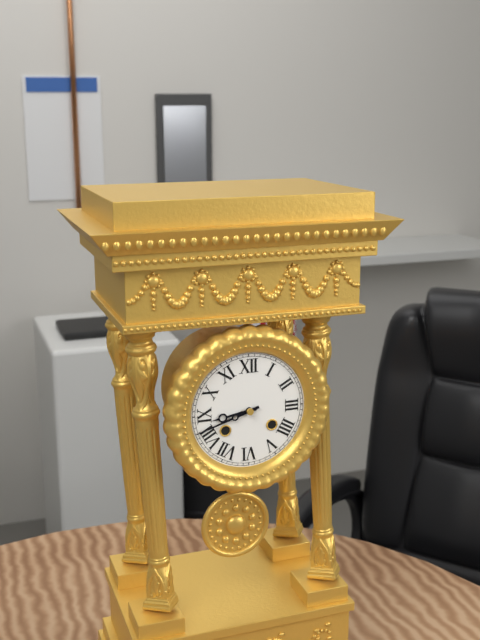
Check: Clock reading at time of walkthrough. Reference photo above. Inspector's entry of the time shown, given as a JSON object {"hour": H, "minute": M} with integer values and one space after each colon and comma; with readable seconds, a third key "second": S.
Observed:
{"hour": 8, "minute": 42}
